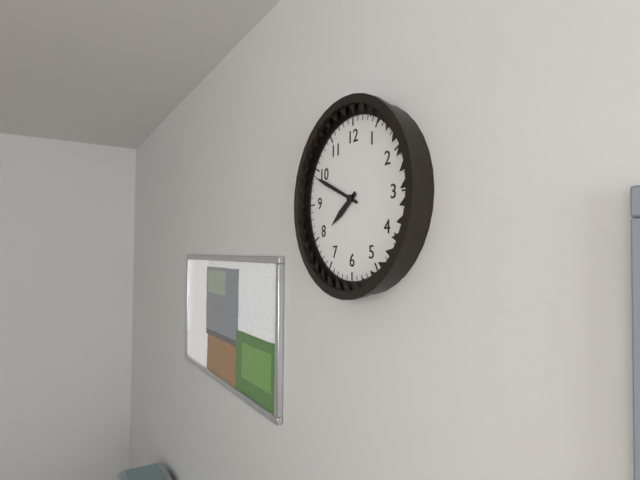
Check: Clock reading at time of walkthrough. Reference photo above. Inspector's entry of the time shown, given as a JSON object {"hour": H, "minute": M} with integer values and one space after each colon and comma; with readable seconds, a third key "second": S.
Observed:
{"hour": 7, "minute": 49}
